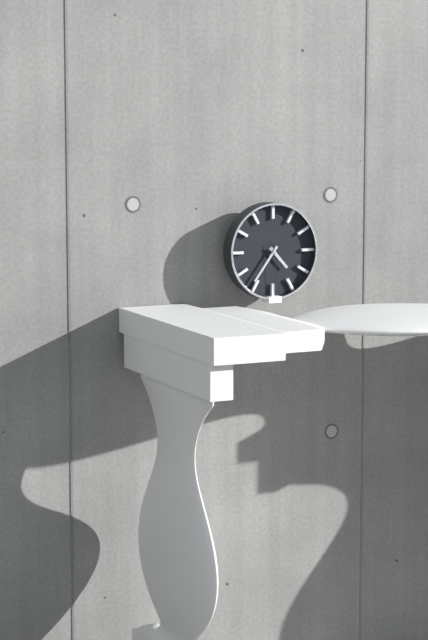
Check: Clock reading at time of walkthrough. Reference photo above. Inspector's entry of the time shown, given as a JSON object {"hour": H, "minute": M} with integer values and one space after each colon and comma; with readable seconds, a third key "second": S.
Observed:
{"hour": 4, "minute": 36}
